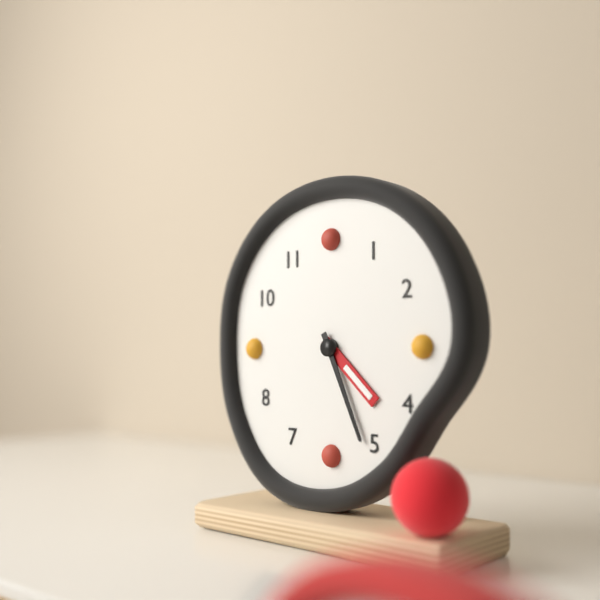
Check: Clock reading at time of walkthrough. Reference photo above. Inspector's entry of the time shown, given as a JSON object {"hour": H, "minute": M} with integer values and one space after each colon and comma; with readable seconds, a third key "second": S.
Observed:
{"hour": 4, "minute": 26}
